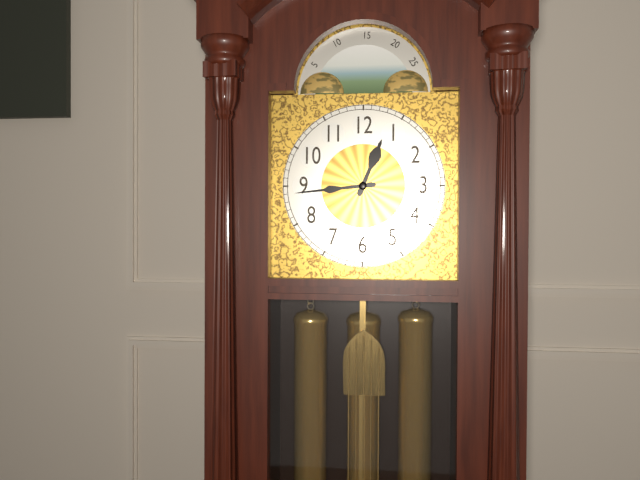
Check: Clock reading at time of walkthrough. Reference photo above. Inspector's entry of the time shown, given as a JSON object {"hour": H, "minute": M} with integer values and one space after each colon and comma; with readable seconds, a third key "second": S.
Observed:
{"hour": 12, "minute": 44}
